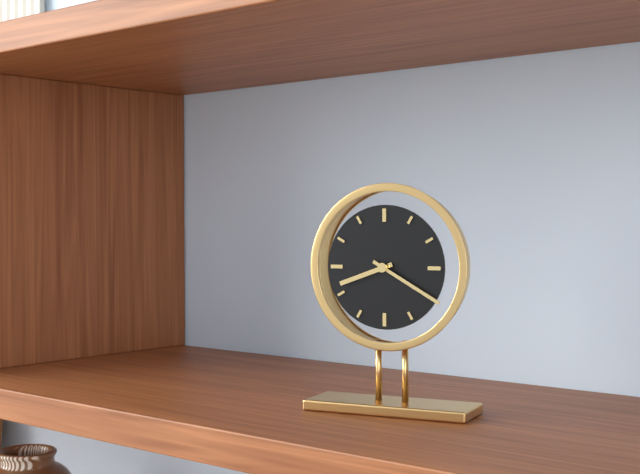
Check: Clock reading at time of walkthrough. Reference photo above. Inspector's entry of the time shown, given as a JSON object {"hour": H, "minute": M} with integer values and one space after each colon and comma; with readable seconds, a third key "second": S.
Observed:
{"hour": 8, "minute": 20}
